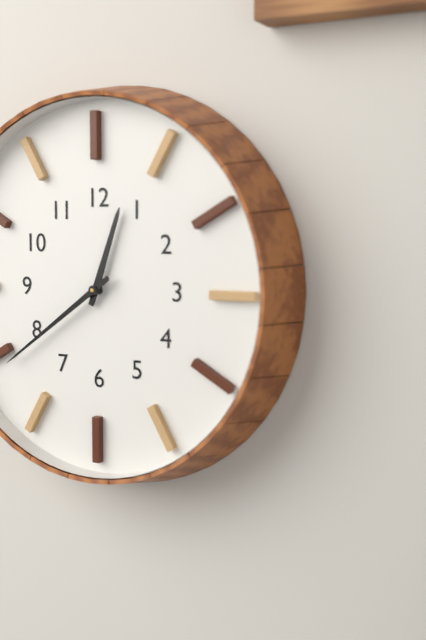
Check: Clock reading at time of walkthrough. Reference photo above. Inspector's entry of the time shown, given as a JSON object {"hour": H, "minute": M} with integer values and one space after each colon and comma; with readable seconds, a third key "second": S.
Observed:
{"hour": 12, "minute": 39}
